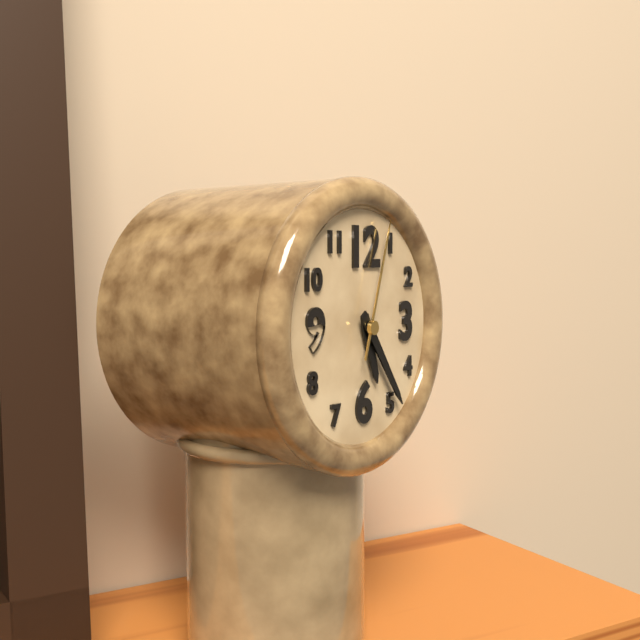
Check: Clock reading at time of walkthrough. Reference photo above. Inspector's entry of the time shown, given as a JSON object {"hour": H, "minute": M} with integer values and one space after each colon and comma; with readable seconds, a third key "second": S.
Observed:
{"hour": 5, "minute": 24, "second": 3}
